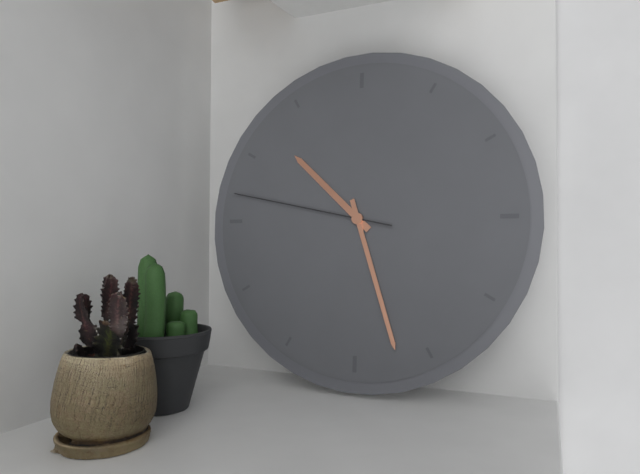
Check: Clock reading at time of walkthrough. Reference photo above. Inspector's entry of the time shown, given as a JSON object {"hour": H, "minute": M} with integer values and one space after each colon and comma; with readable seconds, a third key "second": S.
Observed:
{"hour": 10, "minute": 27, "second": 47}
